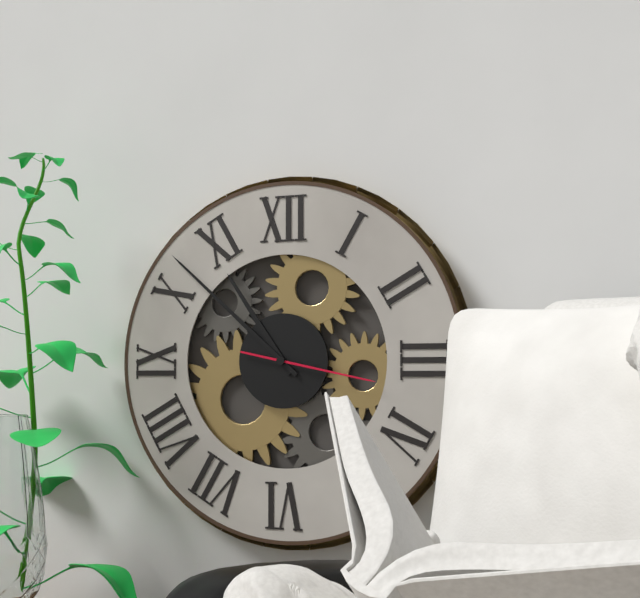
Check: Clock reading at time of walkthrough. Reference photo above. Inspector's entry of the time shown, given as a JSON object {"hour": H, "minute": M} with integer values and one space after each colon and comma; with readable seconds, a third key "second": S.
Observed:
{"hour": 10, "minute": 52, "second": 17}
